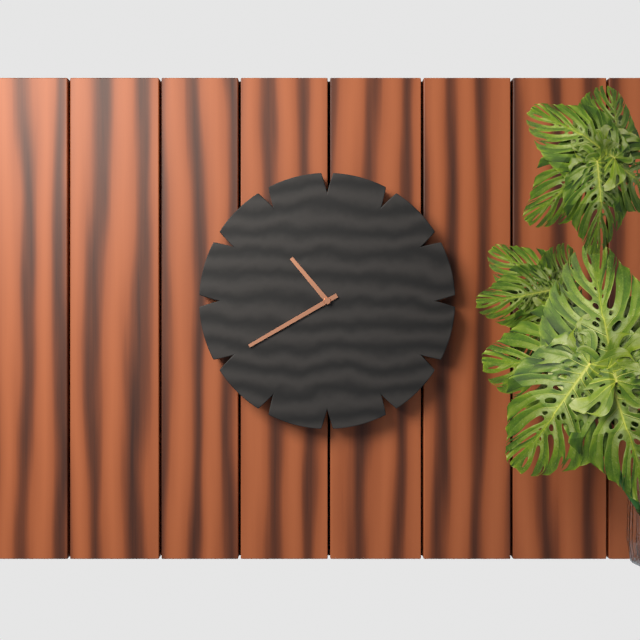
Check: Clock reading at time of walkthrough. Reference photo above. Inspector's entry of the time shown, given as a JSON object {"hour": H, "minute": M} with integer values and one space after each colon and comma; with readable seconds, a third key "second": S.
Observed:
{"hour": 10, "minute": 40}
